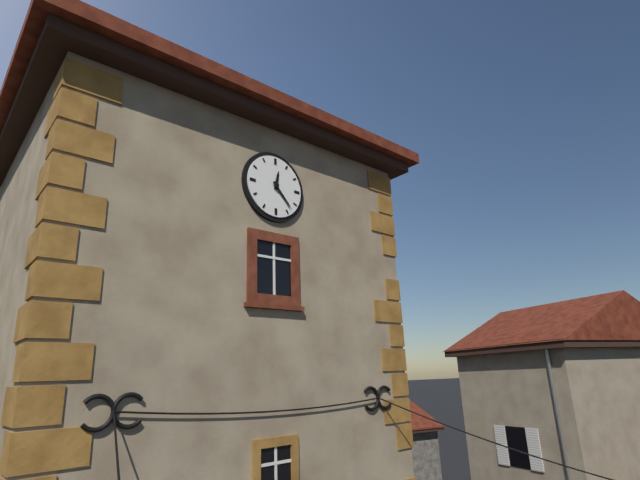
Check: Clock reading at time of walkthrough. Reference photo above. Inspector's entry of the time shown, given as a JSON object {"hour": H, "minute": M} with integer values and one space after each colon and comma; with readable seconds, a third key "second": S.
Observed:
{"hour": 12, "minute": 23}
